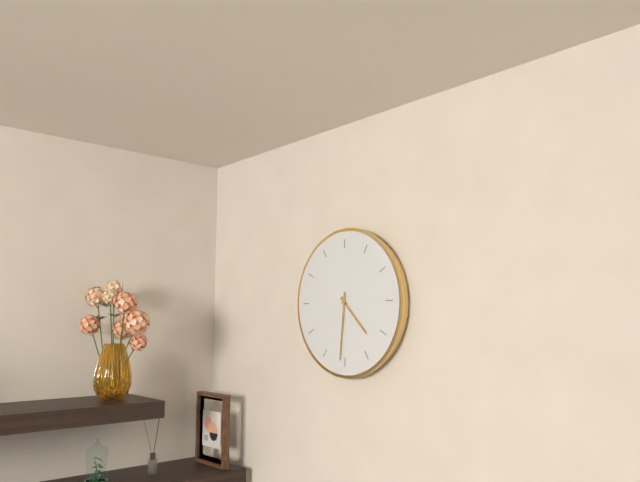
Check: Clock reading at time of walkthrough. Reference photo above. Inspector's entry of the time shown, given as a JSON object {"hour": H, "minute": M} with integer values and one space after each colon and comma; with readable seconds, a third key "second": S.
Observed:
{"hour": 4, "minute": 31}
